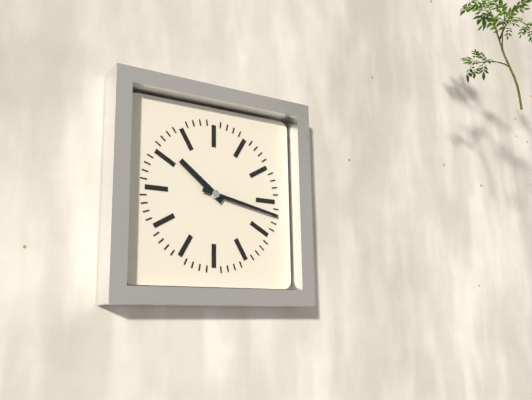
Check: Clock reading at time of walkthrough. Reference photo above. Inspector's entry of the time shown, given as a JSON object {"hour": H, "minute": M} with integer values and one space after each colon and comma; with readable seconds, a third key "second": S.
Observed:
{"hour": 10, "minute": 17}
